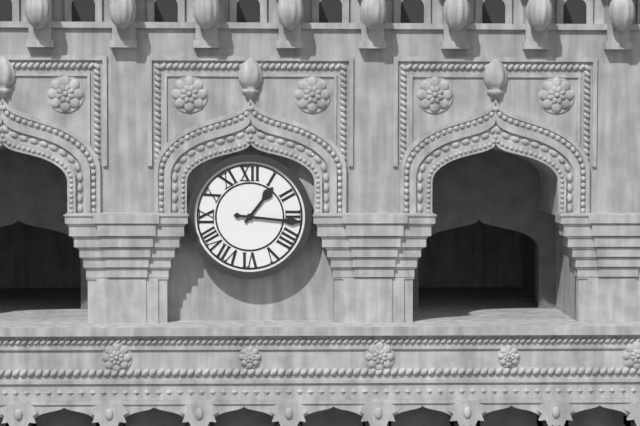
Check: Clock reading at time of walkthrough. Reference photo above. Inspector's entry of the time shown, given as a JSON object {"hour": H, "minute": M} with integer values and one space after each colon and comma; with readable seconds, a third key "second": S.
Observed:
{"hour": 1, "minute": 16}
